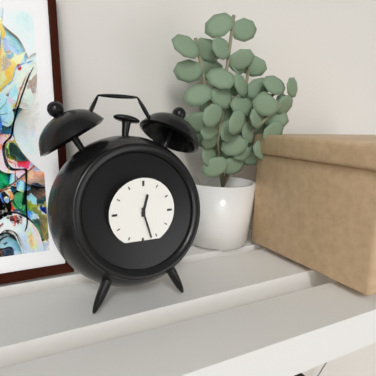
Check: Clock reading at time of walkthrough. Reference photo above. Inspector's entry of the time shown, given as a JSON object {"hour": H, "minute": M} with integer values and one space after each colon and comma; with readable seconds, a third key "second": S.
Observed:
{"hour": 12, "minute": 27}
